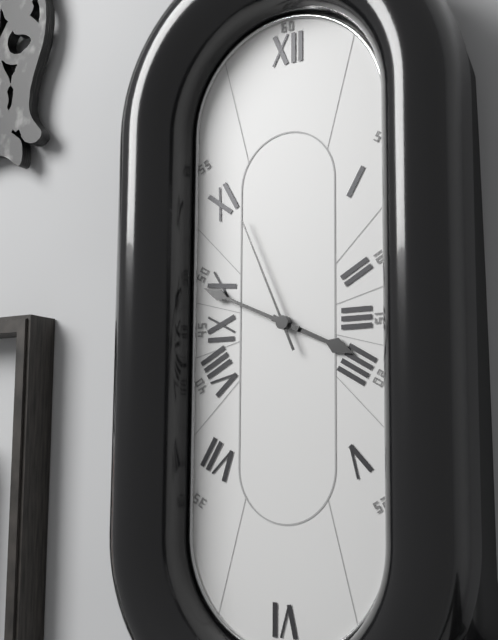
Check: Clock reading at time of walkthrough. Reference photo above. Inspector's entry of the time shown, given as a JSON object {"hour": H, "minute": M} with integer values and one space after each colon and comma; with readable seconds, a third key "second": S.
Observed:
{"hour": 3, "minute": 49, "second": 56}
